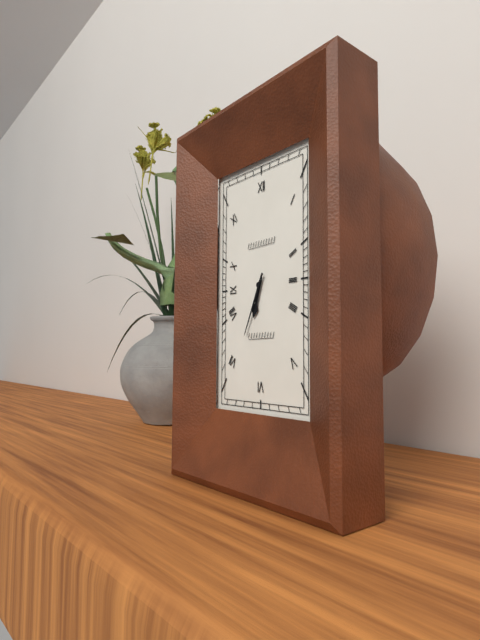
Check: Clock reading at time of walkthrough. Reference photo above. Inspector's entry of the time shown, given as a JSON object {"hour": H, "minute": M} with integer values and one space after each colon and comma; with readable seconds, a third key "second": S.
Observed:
{"hour": 6, "minute": 34}
